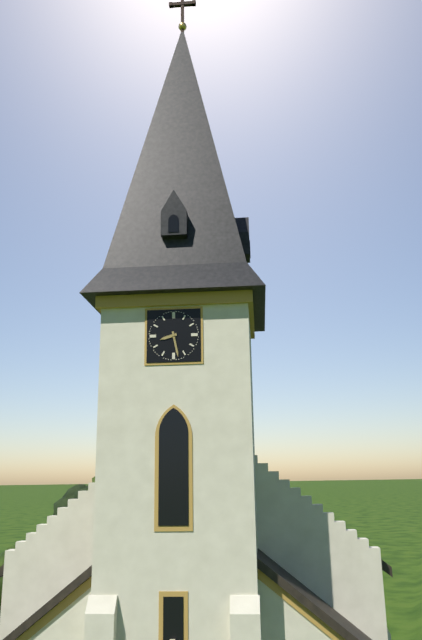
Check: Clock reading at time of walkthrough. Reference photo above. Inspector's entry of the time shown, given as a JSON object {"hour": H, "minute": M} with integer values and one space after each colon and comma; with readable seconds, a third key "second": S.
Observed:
{"hour": 8, "minute": 28}
